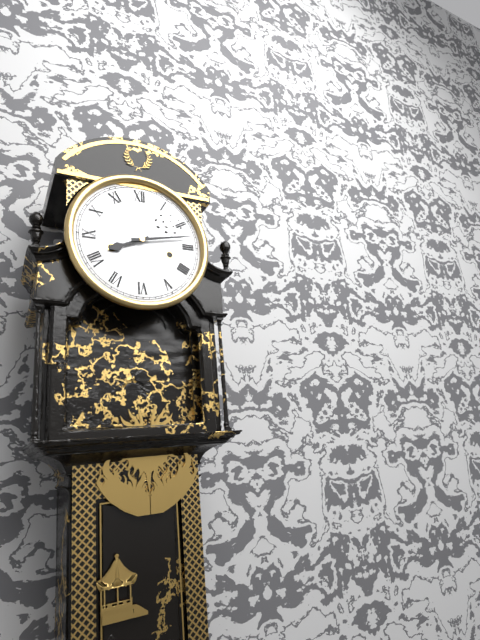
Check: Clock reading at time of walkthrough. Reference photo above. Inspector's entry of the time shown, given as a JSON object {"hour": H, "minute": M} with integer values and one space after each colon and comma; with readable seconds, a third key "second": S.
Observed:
{"hour": 8, "minute": 13}
